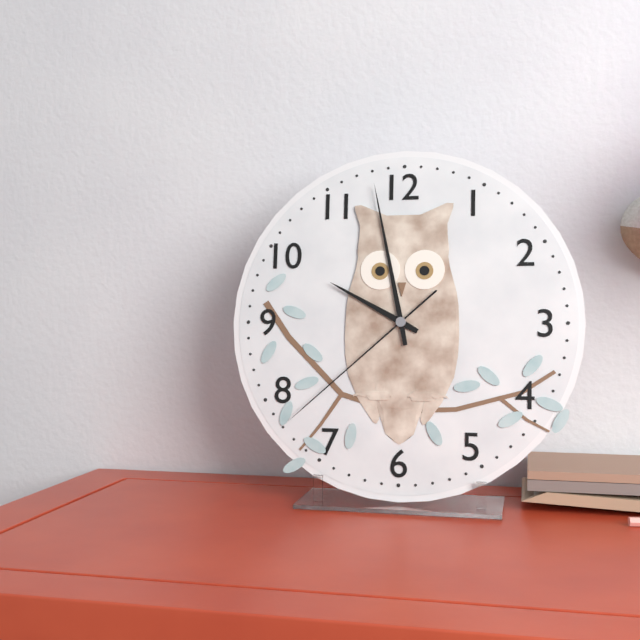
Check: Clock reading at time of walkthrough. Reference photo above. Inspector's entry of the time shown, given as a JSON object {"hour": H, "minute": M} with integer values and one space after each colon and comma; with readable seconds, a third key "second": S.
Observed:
{"hour": 9, "minute": 58, "second": 38}
